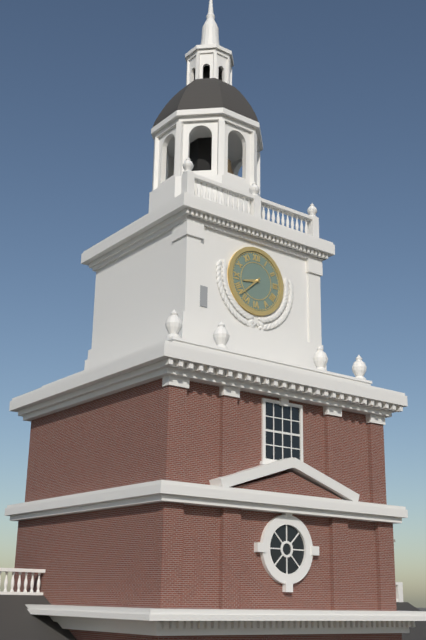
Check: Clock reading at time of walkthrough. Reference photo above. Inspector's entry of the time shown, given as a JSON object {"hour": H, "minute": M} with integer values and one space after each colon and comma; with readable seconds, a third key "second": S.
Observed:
{"hour": 8, "minute": 38}
